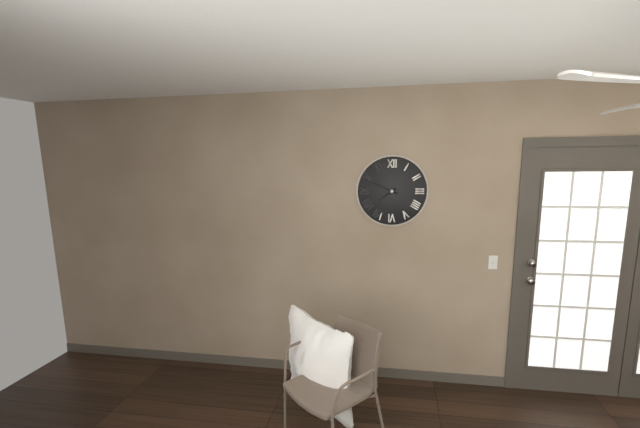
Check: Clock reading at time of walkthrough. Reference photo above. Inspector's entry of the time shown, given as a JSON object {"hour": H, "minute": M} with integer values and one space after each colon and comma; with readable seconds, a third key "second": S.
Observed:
{"hour": 7, "minute": 49}
